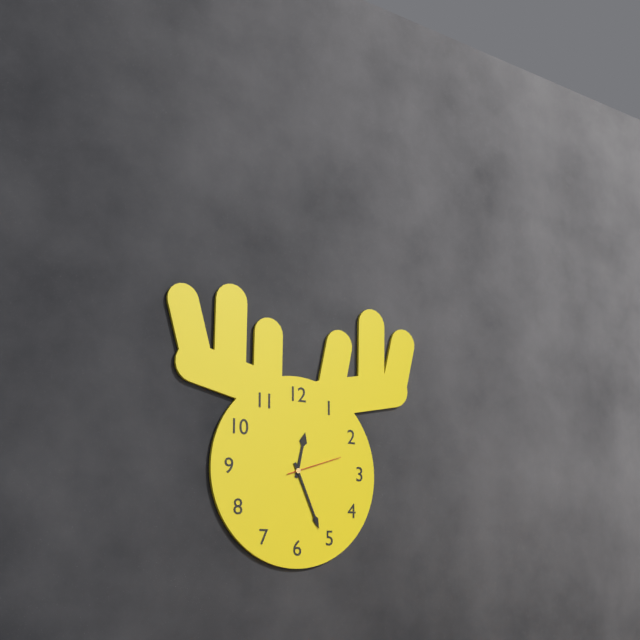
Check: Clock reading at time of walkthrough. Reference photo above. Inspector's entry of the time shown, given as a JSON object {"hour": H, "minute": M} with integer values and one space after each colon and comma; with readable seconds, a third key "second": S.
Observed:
{"hour": 12, "minute": 26, "second": 12}
